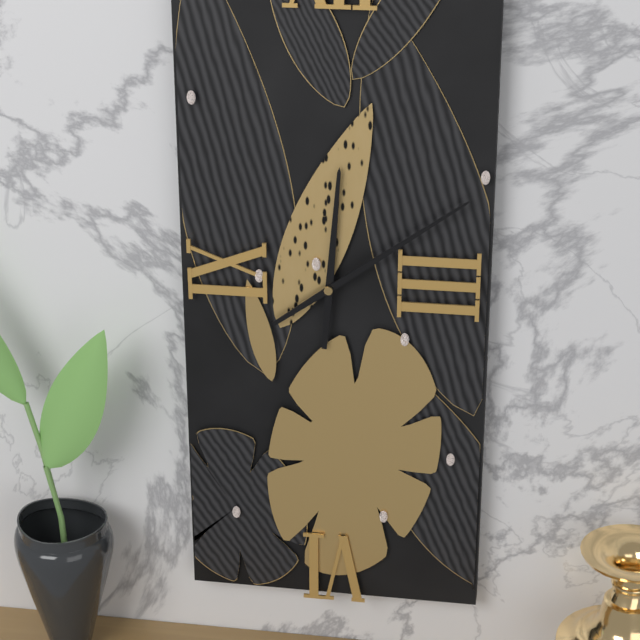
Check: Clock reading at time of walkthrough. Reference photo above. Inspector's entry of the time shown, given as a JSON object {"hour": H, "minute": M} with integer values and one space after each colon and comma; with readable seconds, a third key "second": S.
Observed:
{"hour": 12, "minute": 9}
